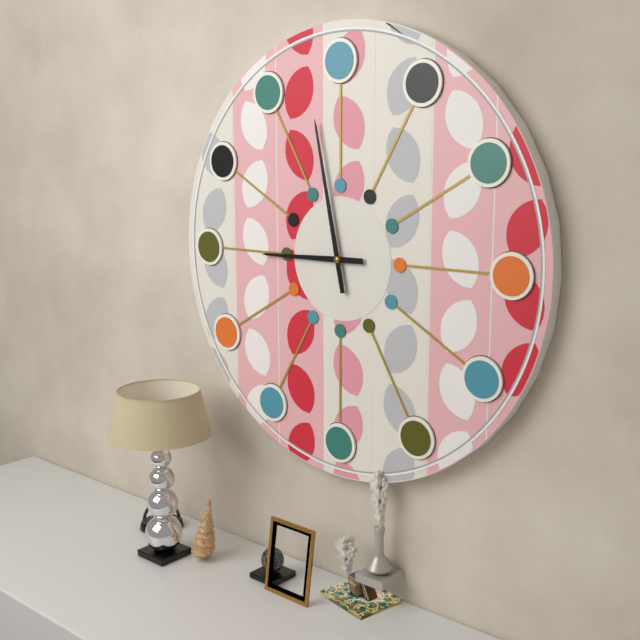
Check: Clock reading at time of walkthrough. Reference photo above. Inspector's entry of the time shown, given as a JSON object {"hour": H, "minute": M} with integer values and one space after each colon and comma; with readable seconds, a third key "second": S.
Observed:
{"hour": 8, "minute": 58}
